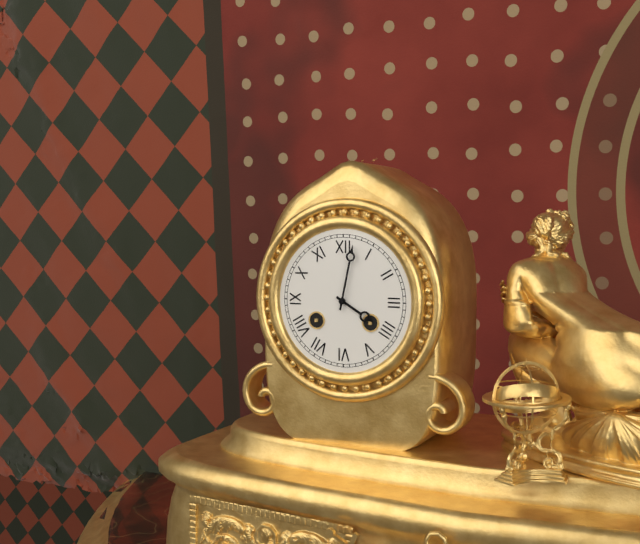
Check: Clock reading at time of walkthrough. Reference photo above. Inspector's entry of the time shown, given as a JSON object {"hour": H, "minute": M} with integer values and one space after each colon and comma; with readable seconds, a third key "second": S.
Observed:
{"hour": 4, "minute": 2}
